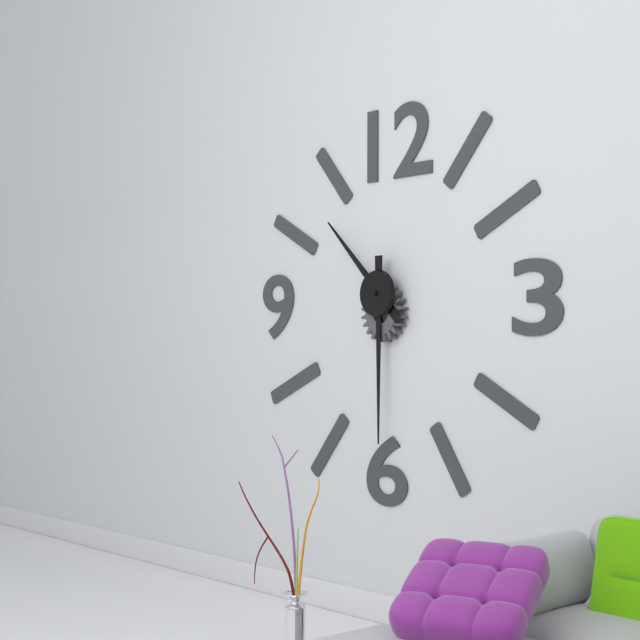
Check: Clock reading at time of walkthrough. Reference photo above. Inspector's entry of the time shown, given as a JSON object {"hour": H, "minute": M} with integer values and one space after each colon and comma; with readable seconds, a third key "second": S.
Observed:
{"hour": 10, "minute": 30}
